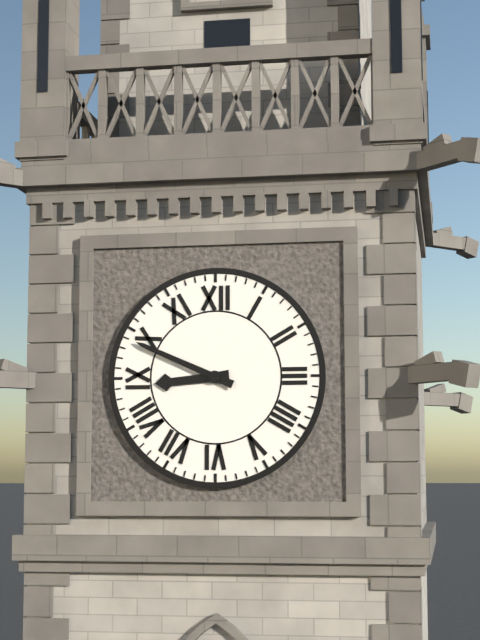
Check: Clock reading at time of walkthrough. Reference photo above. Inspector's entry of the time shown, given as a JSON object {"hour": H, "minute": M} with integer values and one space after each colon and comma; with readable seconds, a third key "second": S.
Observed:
{"hour": 8, "minute": 49}
